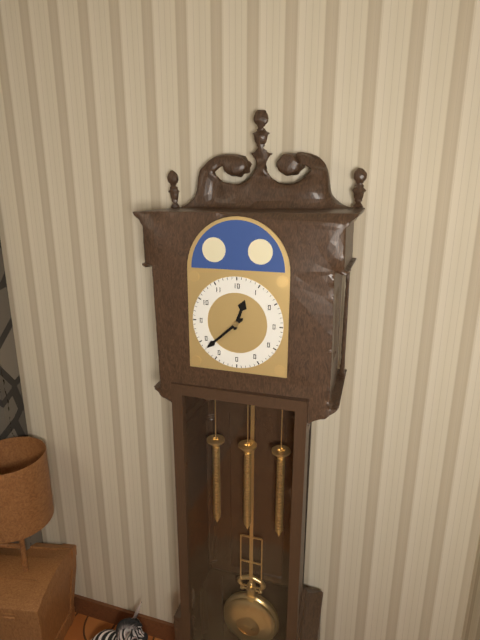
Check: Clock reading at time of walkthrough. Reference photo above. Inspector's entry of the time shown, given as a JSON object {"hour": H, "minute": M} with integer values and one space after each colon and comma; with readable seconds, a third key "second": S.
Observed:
{"hour": 12, "minute": 38}
